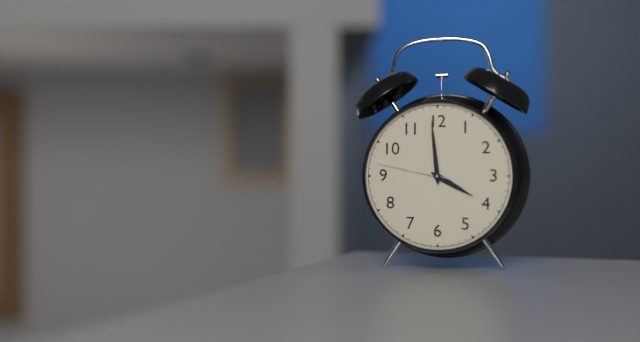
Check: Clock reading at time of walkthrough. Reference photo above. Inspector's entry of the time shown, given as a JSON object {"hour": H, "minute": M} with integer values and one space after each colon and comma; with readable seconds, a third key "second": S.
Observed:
{"hour": 3, "minute": 59, "second": 47}
